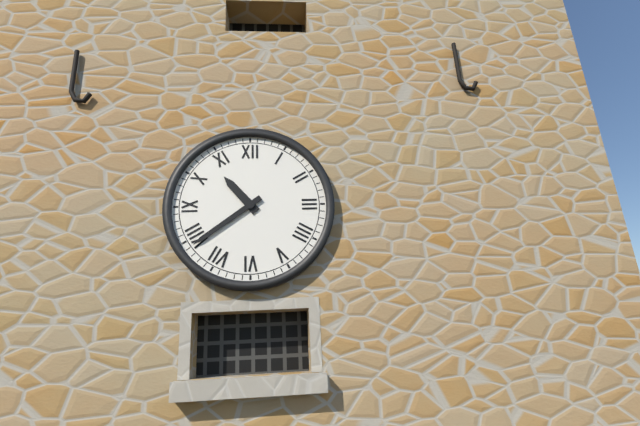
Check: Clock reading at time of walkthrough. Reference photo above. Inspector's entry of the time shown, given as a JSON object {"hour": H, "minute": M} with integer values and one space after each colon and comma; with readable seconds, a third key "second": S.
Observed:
{"hour": 10, "minute": 39}
